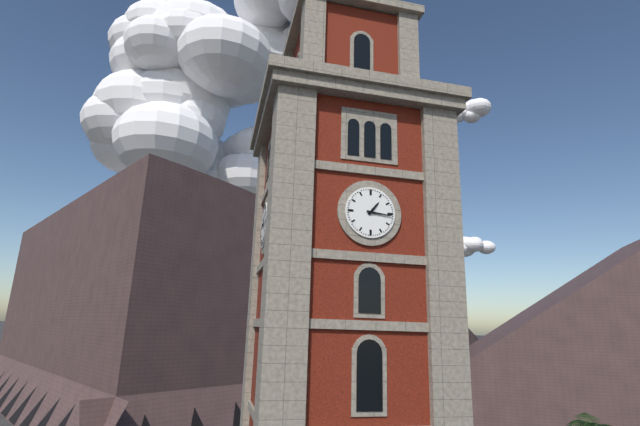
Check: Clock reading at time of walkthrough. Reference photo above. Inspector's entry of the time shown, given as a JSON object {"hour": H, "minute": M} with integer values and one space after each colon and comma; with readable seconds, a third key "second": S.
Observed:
{"hour": 1, "minute": 16}
